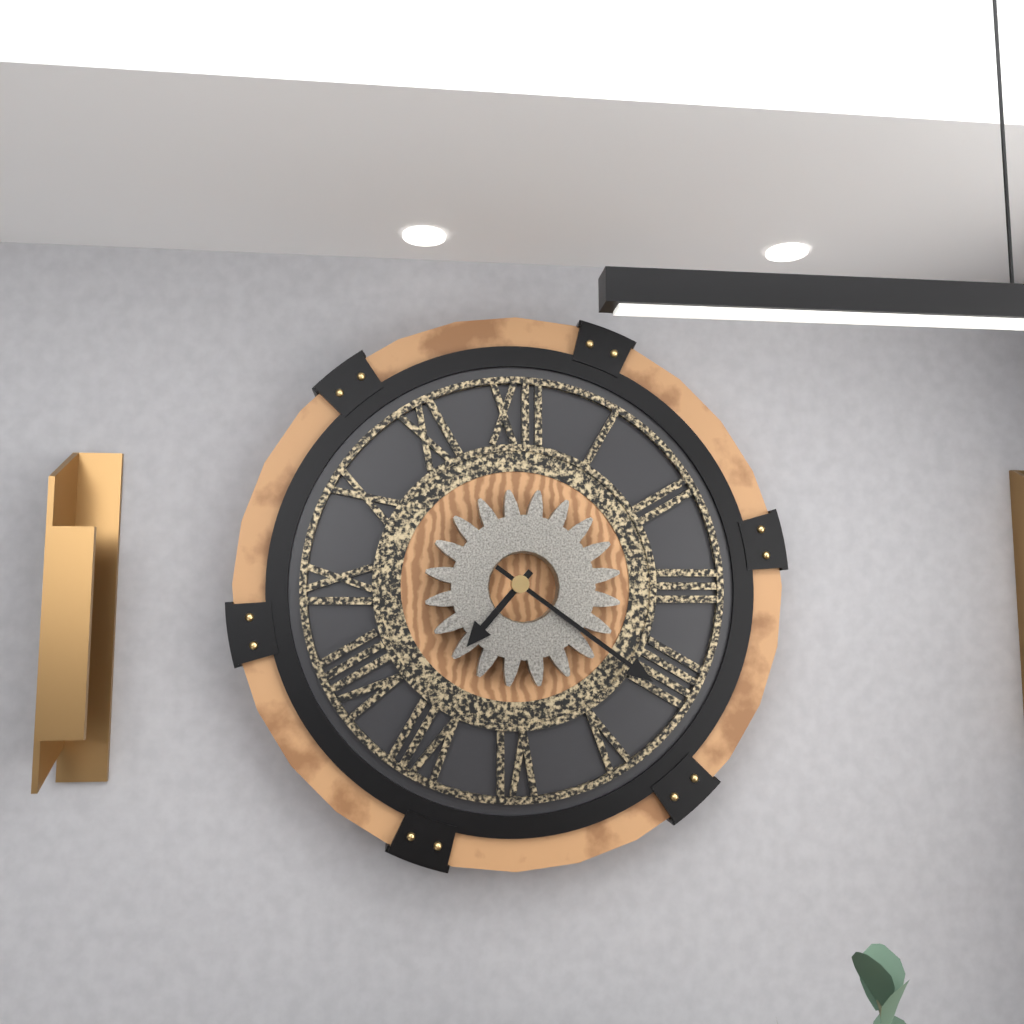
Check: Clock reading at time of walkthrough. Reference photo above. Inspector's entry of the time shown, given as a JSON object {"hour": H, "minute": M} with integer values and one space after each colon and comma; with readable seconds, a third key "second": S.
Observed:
{"hour": 7, "minute": 21}
